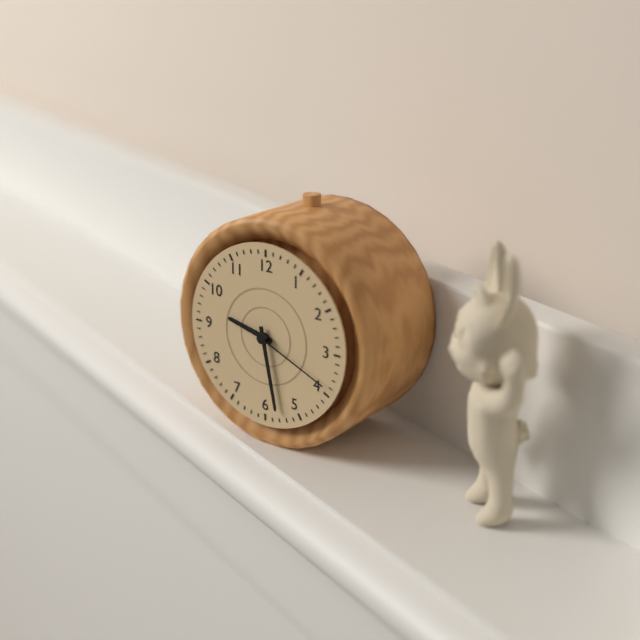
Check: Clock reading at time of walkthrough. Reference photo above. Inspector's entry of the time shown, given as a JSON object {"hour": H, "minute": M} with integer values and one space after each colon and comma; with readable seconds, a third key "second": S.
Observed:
{"hour": 9, "minute": 28, "second": 19}
